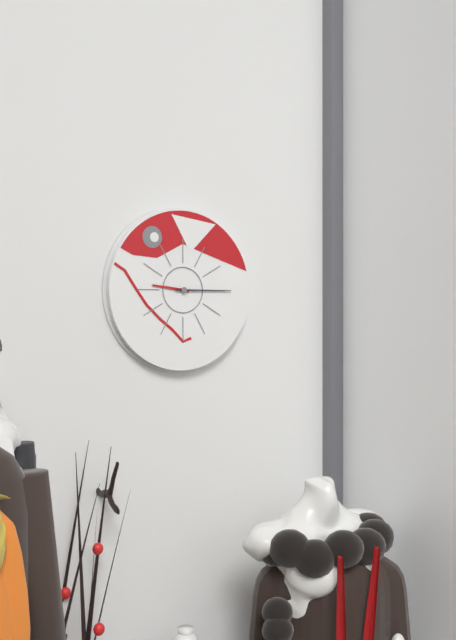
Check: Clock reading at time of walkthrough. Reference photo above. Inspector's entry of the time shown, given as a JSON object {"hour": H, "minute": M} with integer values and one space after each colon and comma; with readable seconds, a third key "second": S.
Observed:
{"hour": 9, "minute": 15}
